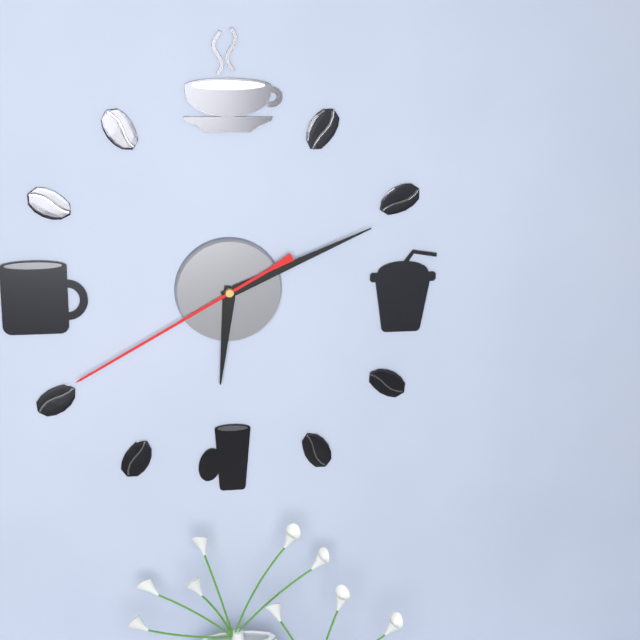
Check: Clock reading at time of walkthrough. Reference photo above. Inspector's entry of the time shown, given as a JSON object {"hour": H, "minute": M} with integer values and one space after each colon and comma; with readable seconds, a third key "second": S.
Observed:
{"hour": 6, "minute": 11, "second": 40}
